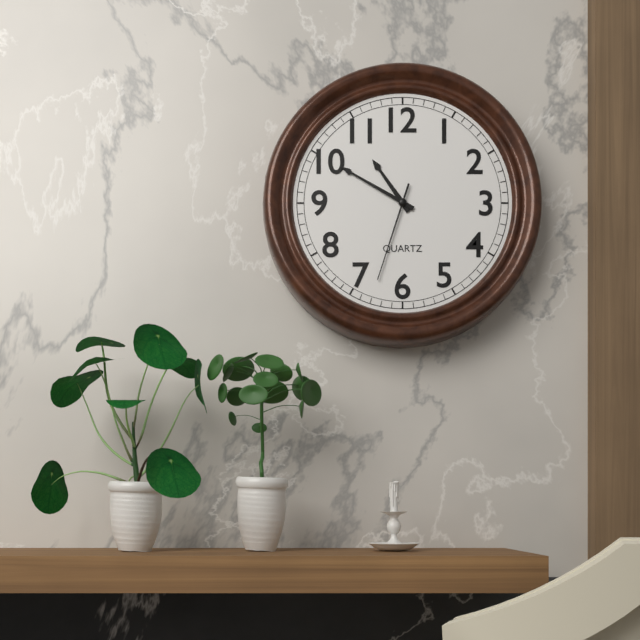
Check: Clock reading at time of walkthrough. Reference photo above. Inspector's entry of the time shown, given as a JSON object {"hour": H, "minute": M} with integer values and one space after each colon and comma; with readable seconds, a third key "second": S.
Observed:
{"hour": 10, "minute": 50, "second": 33}
